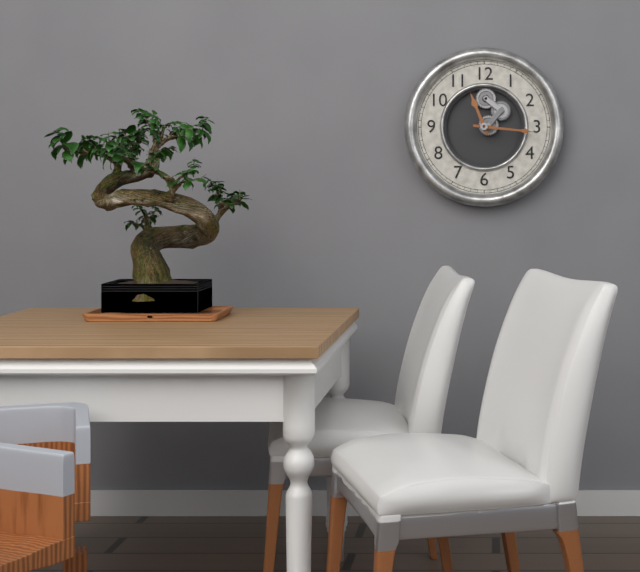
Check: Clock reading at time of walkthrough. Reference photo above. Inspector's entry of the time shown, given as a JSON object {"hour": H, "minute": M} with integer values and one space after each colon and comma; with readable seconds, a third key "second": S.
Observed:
{"hour": 11, "minute": 16}
